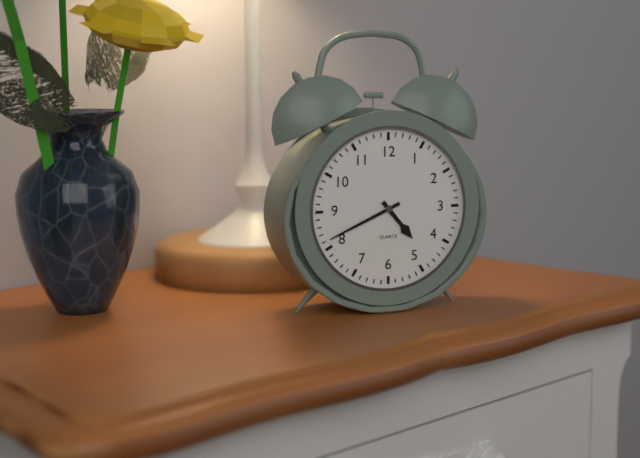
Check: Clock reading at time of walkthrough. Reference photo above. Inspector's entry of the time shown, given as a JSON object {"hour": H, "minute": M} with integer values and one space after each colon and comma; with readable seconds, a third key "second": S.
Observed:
{"hour": 4, "minute": 41}
